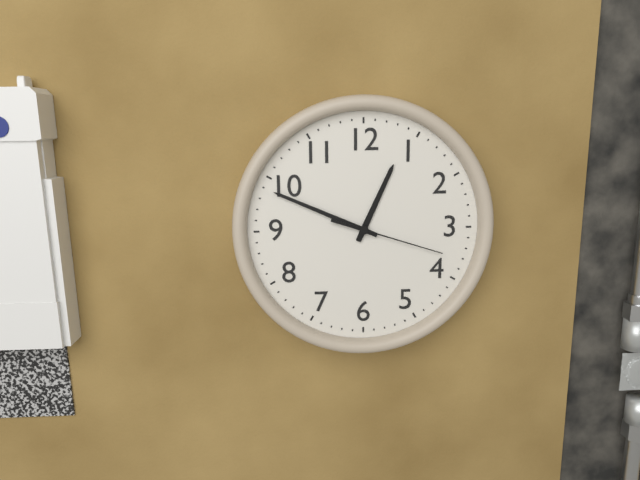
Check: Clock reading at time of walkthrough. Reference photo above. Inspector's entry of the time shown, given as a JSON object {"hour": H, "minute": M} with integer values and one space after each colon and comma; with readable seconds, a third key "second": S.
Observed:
{"hour": 12, "minute": 49, "second": 18}
